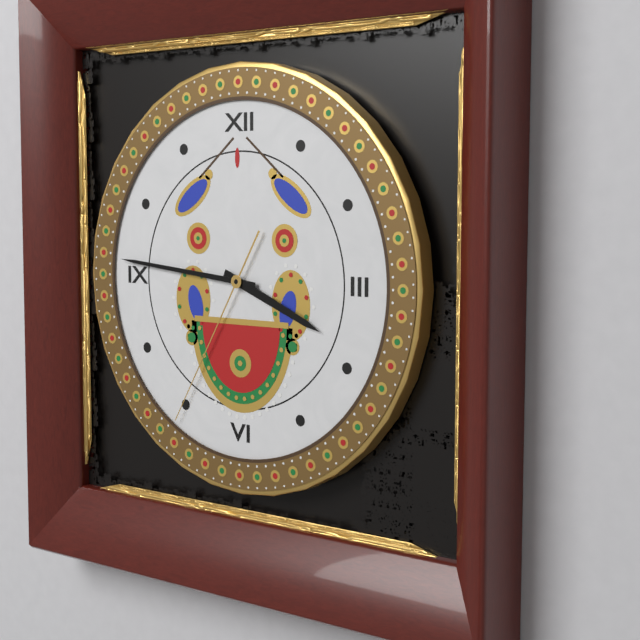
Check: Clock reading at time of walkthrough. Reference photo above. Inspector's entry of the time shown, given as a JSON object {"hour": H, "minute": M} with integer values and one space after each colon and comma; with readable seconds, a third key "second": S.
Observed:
{"hour": 3, "minute": 46, "second": 35}
